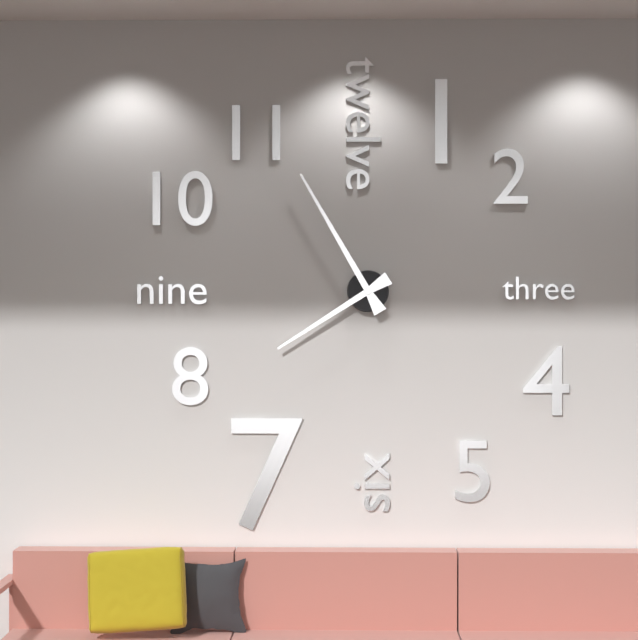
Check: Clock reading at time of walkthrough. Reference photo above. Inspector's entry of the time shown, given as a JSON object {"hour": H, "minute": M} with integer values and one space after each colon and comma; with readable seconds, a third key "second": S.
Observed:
{"hour": 7, "minute": 55}
